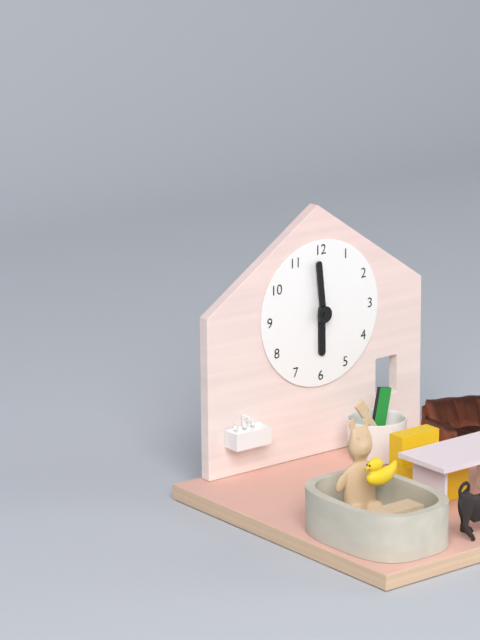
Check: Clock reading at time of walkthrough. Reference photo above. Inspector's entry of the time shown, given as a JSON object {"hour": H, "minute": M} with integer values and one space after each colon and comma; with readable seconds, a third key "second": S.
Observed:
{"hour": 5, "minute": 59}
